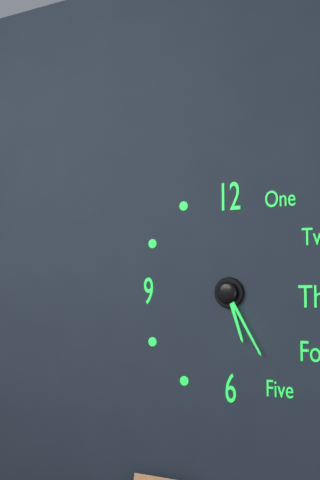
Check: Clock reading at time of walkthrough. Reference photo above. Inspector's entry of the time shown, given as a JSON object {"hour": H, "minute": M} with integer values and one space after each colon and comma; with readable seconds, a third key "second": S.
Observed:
{"hour": 5, "minute": 25}
